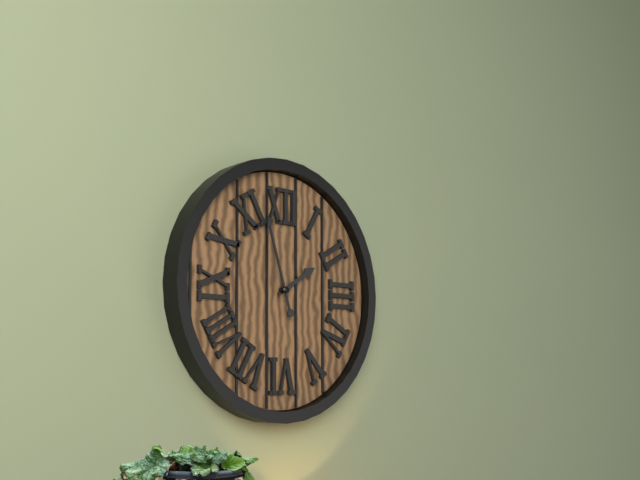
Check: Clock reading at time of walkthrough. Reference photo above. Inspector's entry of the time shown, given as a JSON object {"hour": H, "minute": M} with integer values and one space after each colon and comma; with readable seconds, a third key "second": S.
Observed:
{"hour": 1, "minute": 57}
